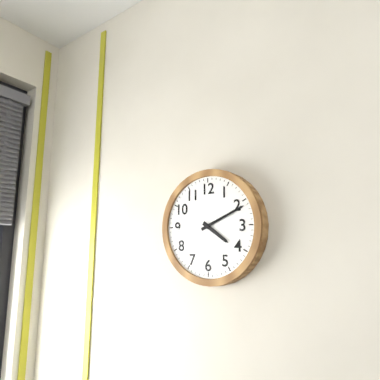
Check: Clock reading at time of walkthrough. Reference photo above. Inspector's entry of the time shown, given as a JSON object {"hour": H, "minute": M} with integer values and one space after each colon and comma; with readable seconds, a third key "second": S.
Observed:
{"hour": 4, "minute": 11}
